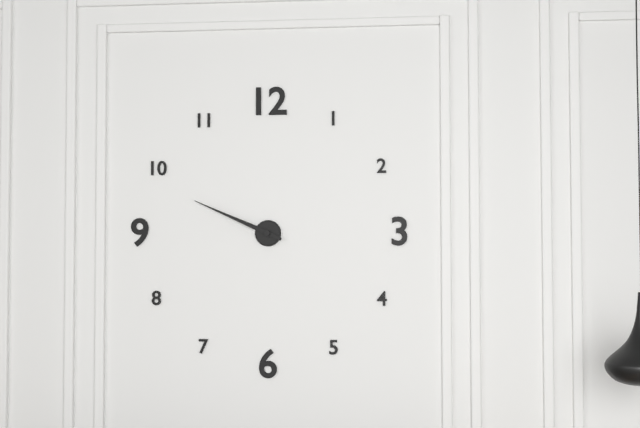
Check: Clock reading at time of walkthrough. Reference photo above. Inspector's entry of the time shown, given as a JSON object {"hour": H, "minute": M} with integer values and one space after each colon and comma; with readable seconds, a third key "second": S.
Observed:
{"hour": 9, "minute": 49}
